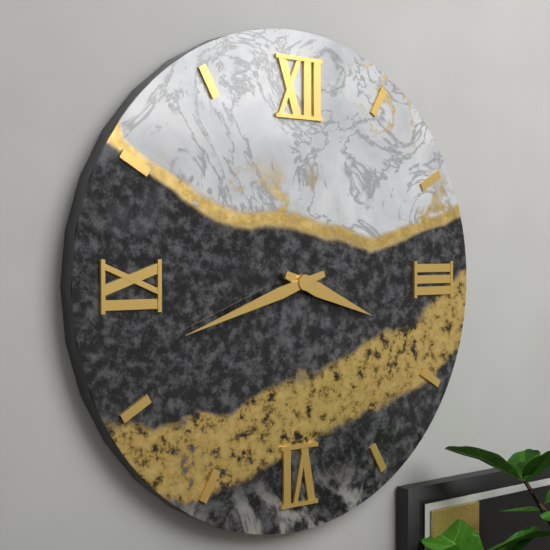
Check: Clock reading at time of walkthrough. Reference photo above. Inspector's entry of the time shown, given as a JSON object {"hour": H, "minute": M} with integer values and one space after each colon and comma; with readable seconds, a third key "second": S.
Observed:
{"hour": 3, "minute": 42}
